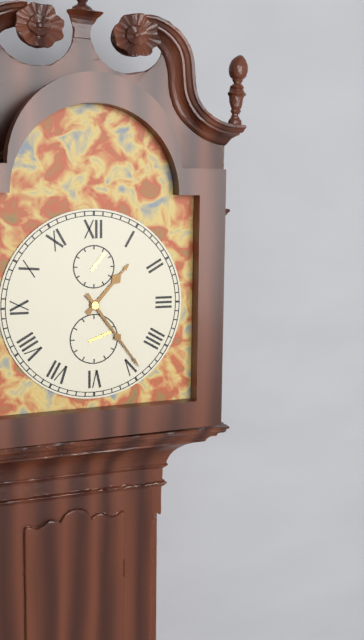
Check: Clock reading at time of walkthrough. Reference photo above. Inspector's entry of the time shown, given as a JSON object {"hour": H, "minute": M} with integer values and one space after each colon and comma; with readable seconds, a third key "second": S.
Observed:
{"hour": 1, "minute": 24}
